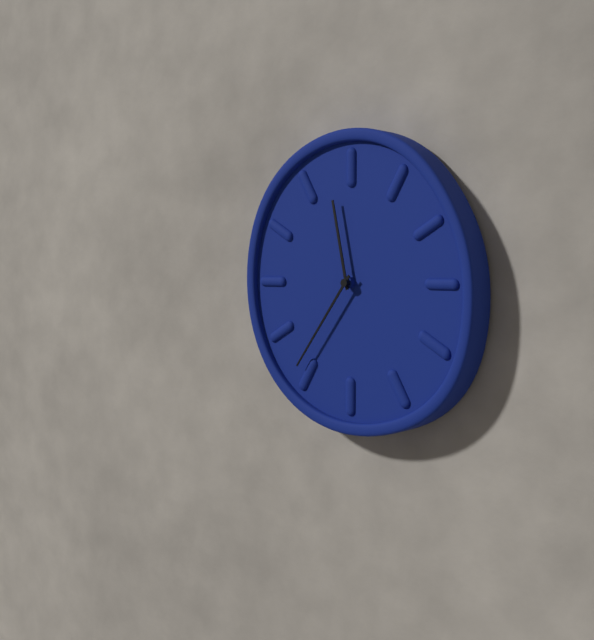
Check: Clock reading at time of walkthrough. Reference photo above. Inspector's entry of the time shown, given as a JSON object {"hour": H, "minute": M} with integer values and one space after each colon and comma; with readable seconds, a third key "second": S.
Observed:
{"hour": 11, "minute": 36}
